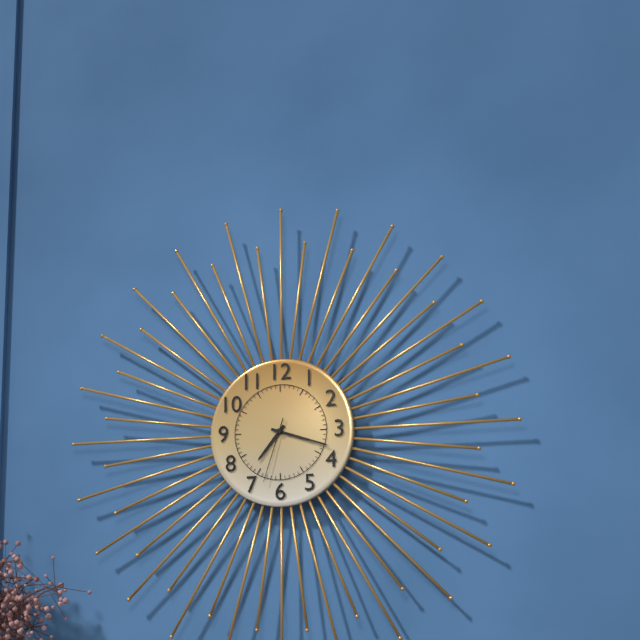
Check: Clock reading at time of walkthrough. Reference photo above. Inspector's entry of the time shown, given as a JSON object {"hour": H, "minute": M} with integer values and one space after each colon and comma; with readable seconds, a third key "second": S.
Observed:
{"hour": 7, "minute": 18, "second": 33}
